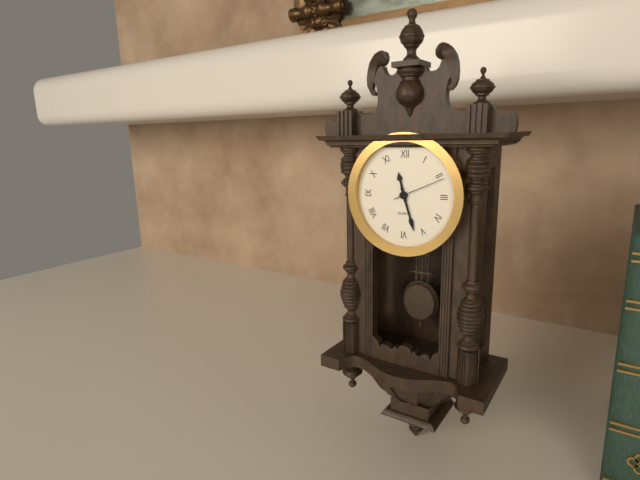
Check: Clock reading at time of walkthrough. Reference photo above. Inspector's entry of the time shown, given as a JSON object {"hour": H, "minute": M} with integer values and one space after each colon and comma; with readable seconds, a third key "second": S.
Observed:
{"hour": 11, "minute": 27, "second": 11}
